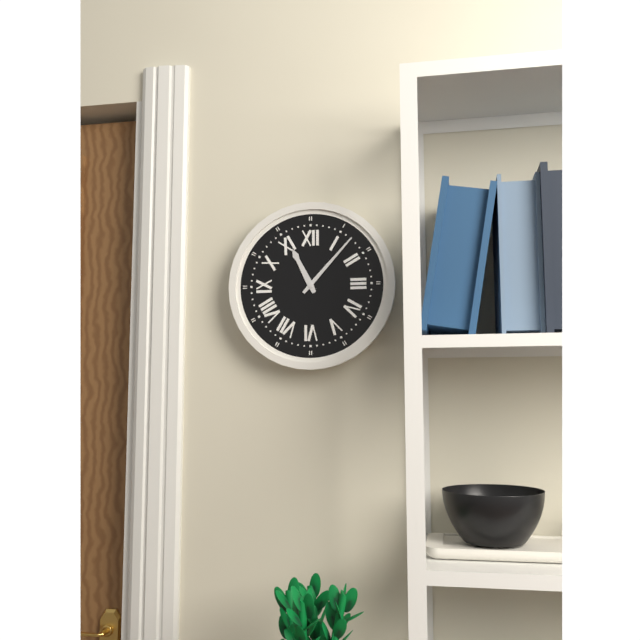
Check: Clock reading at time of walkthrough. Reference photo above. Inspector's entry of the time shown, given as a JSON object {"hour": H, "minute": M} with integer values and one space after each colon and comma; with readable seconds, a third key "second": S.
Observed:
{"hour": 11, "minute": 7}
